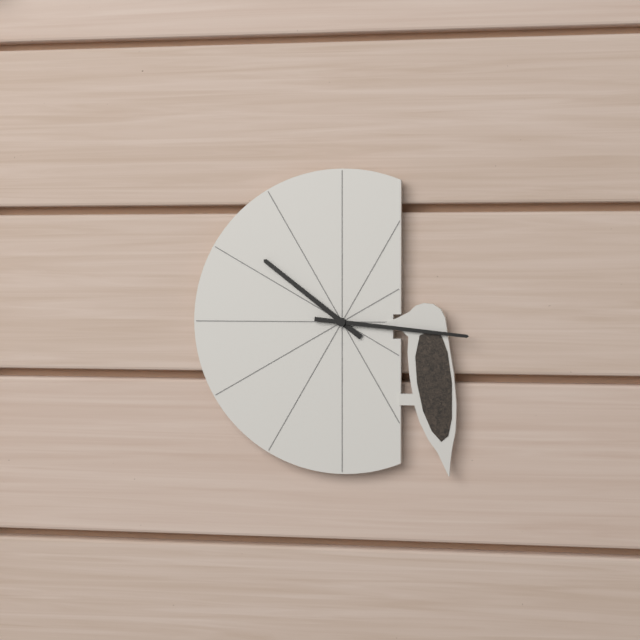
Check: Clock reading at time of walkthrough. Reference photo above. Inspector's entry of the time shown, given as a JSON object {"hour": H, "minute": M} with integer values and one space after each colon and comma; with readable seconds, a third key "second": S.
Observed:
{"hour": 10, "minute": 16}
